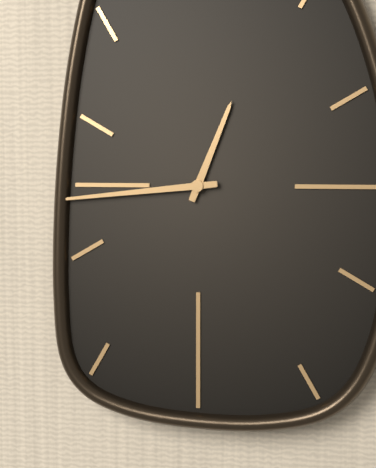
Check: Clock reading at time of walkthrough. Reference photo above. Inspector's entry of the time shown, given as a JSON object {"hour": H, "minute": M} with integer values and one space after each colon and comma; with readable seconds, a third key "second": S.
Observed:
{"hour": 12, "minute": 44}
